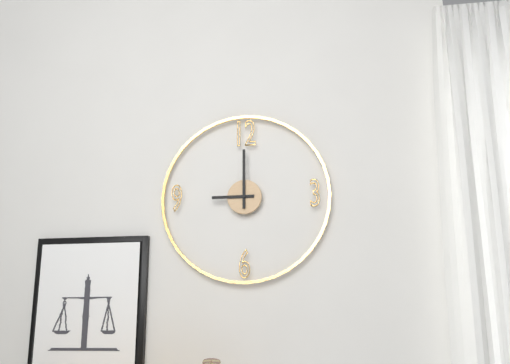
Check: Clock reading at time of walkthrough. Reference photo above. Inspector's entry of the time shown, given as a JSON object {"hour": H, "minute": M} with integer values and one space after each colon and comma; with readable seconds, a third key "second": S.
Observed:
{"hour": 9, "minute": 0}
